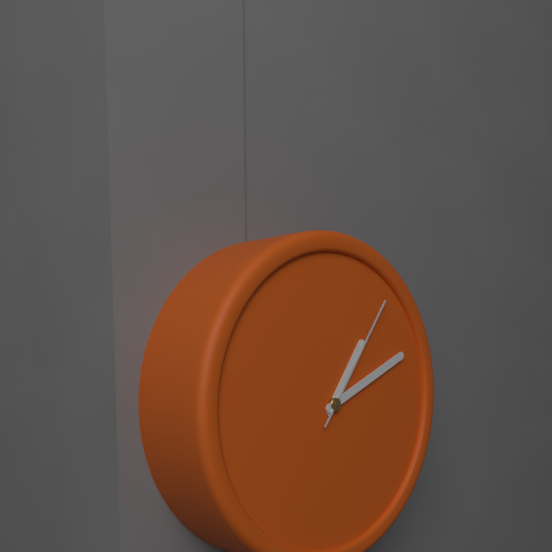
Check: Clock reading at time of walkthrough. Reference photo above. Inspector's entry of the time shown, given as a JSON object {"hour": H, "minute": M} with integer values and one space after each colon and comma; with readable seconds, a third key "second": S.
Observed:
{"hour": 1, "minute": 11, "second": 6}
